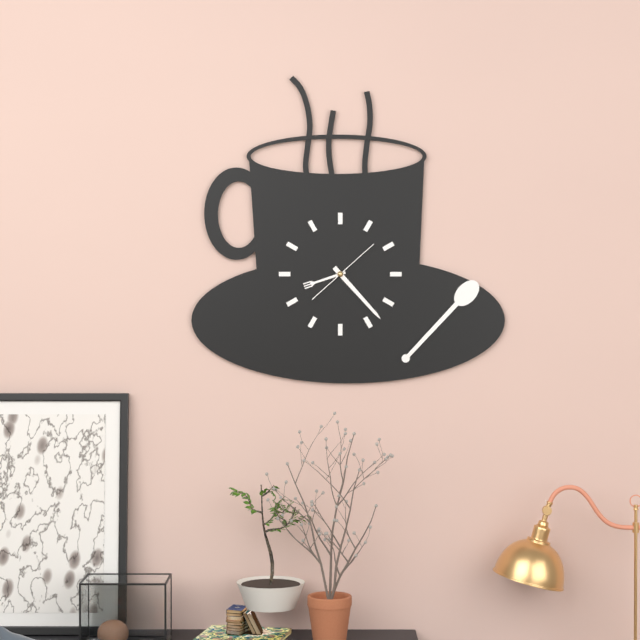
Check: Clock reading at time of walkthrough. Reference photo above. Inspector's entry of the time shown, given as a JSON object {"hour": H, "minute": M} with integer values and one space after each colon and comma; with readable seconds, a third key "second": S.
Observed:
{"hour": 8, "minute": 23, "second": 8}
